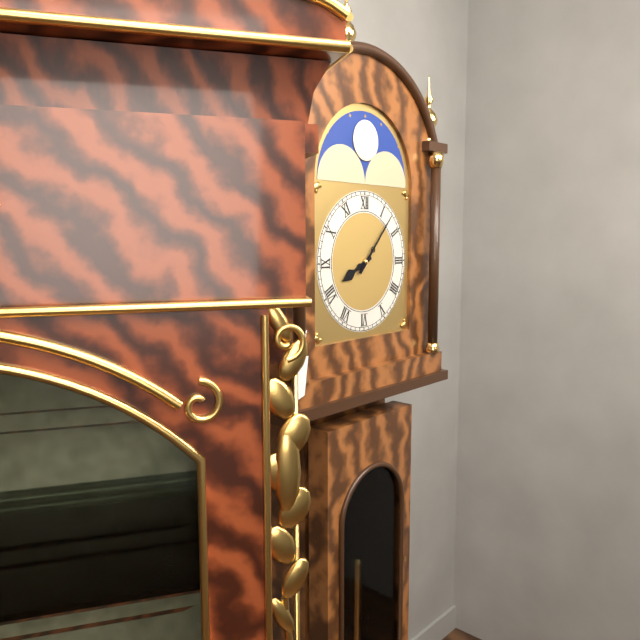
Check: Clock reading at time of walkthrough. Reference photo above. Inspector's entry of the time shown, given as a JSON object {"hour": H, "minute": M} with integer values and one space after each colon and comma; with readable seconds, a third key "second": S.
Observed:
{"hour": 8, "minute": 7}
